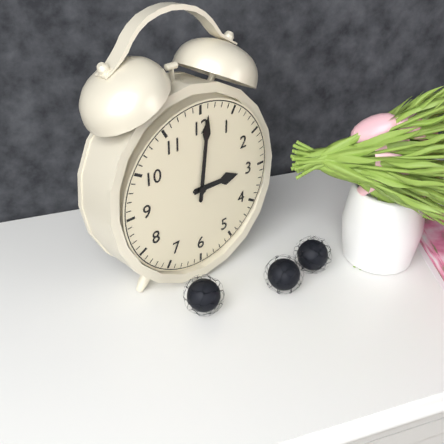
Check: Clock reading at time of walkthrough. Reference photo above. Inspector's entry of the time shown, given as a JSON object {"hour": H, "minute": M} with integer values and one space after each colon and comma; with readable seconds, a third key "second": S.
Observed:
{"hour": 3, "minute": 1}
